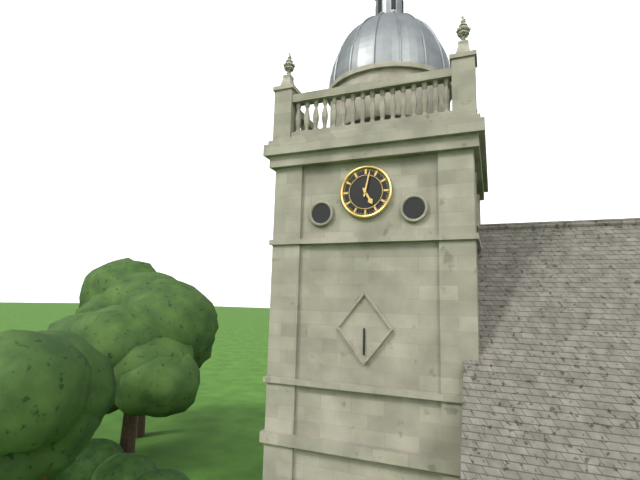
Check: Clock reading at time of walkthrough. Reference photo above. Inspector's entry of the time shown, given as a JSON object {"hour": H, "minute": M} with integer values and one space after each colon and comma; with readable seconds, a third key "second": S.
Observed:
{"hour": 5, "minute": 2}
